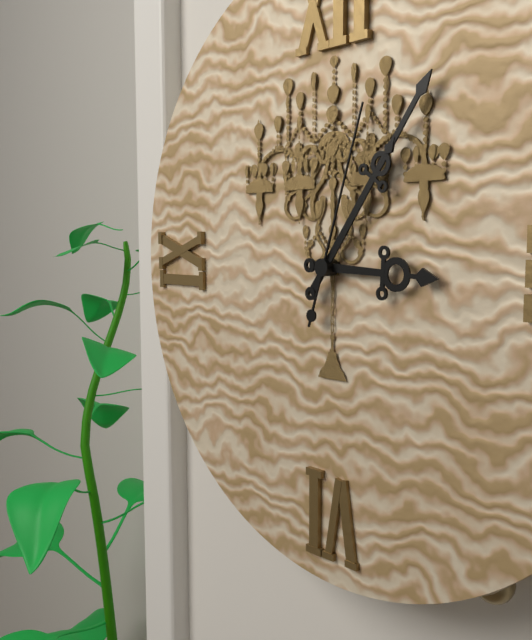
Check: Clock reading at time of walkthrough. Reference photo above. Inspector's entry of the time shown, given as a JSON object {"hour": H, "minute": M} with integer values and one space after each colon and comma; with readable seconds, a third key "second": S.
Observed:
{"hour": 3, "minute": 6, "second": 3}
